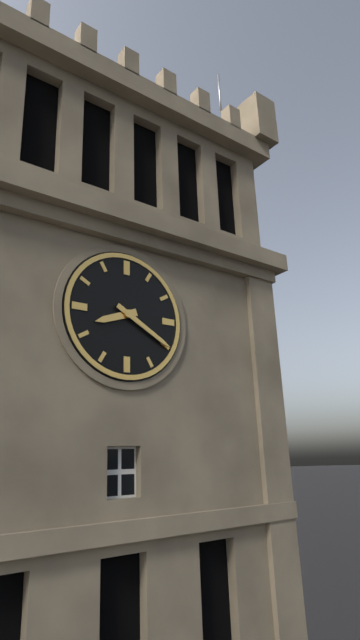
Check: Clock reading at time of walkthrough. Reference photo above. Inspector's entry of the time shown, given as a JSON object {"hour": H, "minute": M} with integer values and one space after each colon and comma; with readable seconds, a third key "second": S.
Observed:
{"hour": 8, "minute": 20}
